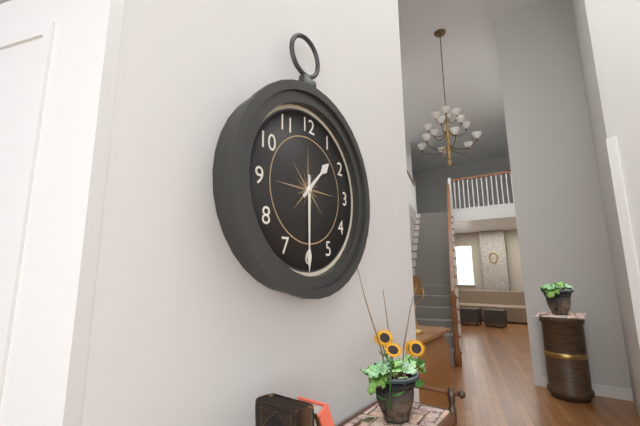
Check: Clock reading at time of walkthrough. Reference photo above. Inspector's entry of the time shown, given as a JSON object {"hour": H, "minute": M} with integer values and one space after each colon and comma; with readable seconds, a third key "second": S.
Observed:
{"hour": 1, "minute": 30}
